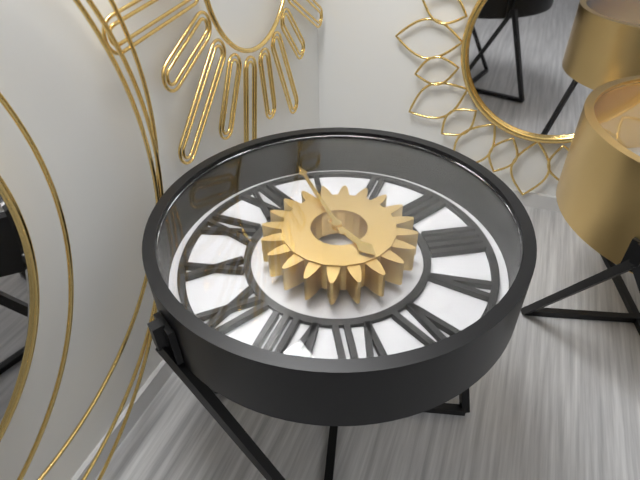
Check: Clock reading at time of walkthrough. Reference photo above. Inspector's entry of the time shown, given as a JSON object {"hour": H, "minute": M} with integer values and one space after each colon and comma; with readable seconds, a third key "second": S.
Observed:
{"hour": 6, "minute": 3}
